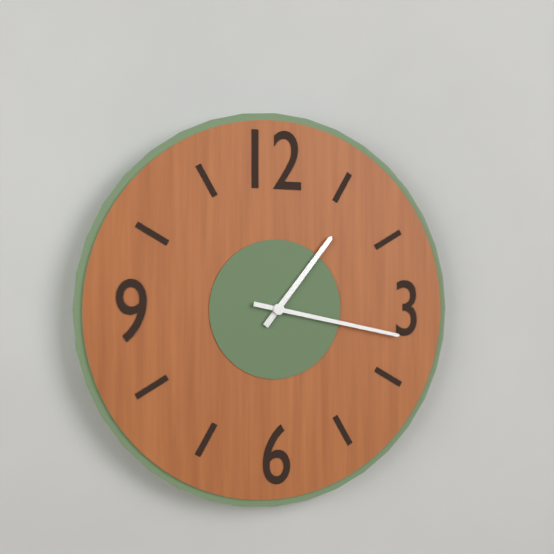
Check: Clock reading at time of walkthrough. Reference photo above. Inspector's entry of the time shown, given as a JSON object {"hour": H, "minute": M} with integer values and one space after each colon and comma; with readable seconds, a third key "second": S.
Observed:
{"hour": 1, "minute": 17}
